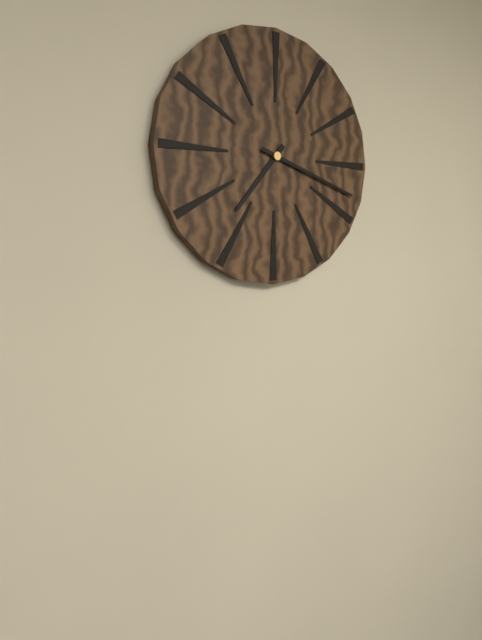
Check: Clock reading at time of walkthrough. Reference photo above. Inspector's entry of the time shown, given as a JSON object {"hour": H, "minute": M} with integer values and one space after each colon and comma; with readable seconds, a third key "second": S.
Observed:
{"hour": 7, "minute": 18}
